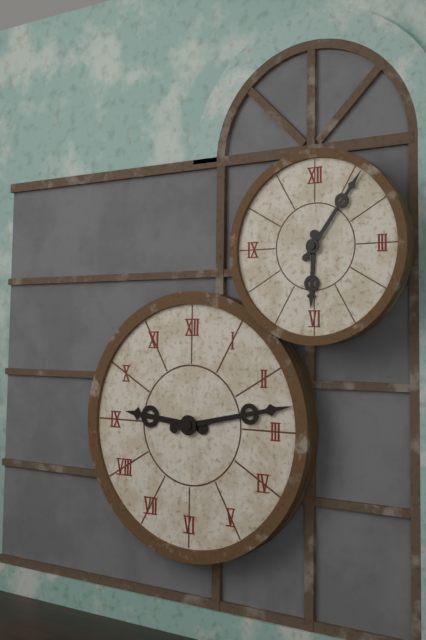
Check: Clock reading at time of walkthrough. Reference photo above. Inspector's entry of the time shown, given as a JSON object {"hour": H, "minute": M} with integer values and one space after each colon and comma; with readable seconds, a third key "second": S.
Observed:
{"hour": 6, "minute": 6}
